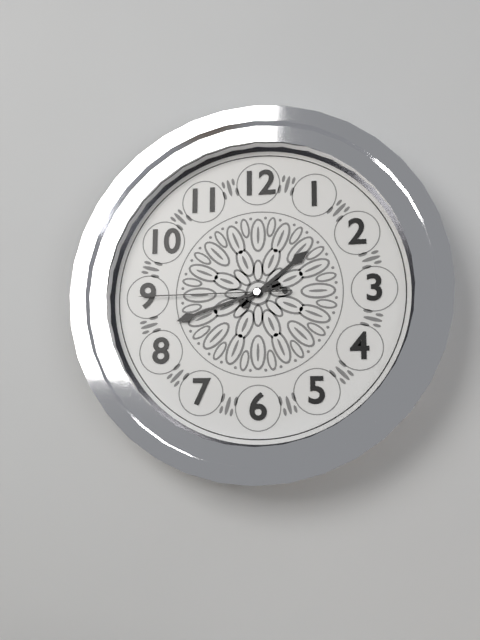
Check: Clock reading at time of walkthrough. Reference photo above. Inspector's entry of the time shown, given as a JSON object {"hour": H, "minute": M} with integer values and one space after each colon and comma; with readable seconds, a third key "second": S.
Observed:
{"hour": 1, "minute": 42, "second": 45}
